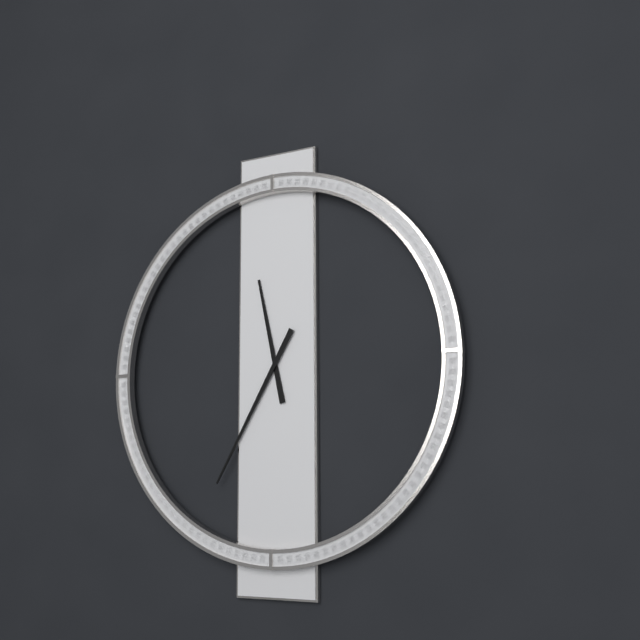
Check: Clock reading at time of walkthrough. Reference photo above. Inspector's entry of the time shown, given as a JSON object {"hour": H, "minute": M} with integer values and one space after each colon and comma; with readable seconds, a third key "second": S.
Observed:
{"hour": 11, "minute": 35}
